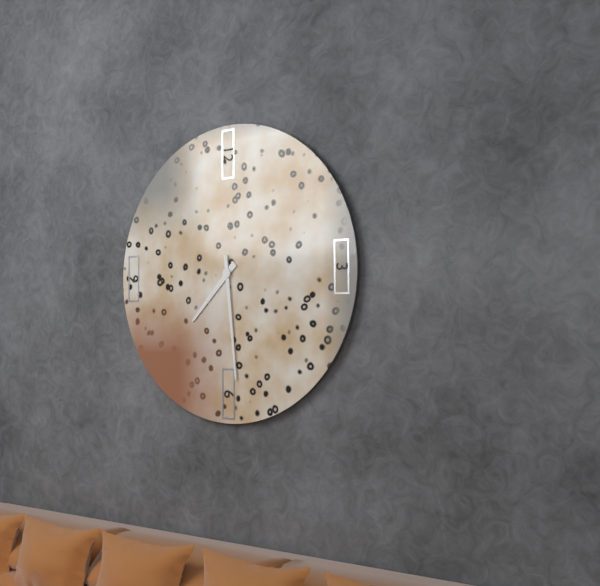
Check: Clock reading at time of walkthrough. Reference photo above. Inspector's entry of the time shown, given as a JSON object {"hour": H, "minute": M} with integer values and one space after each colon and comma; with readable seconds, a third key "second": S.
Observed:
{"hour": 7, "minute": 29}
